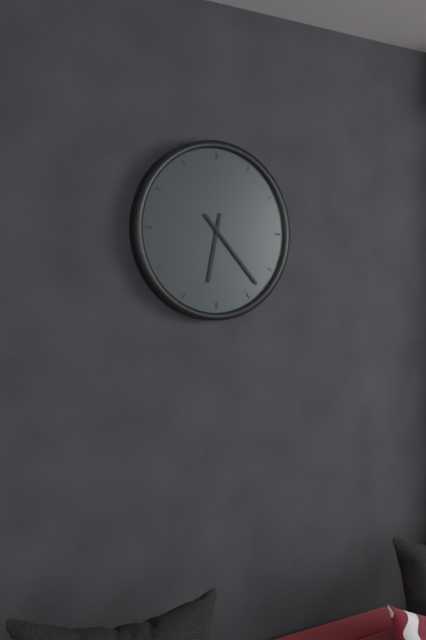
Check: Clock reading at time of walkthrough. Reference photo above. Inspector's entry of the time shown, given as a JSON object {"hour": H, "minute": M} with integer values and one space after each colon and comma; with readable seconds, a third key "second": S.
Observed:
{"hour": 6, "minute": 23}
